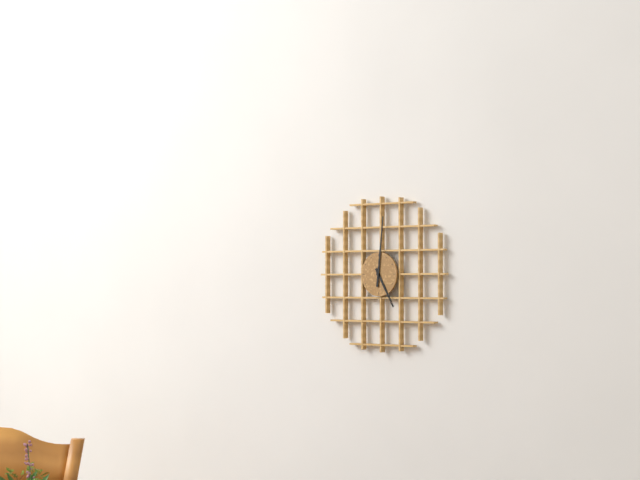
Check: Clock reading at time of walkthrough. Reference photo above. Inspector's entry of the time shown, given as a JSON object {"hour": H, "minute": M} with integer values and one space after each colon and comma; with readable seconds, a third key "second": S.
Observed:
{"hour": 5, "minute": 1}
